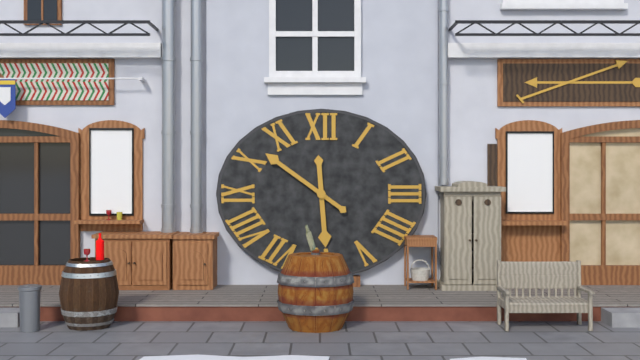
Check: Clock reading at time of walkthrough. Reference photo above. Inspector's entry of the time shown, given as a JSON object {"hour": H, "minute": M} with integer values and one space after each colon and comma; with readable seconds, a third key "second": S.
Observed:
{"hour": 5, "minute": 51}
